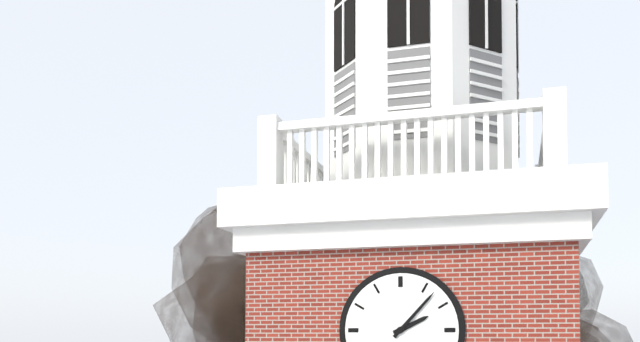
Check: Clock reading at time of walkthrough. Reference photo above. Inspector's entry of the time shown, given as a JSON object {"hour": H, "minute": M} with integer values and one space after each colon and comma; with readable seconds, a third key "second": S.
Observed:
{"hour": 2, "minute": 7}
